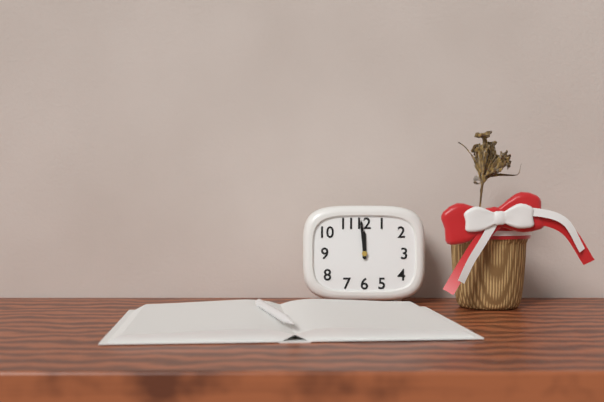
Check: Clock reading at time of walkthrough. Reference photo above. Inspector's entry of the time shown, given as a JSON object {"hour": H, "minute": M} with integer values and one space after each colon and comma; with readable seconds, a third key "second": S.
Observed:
{"hour": 11, "minute": 59}
